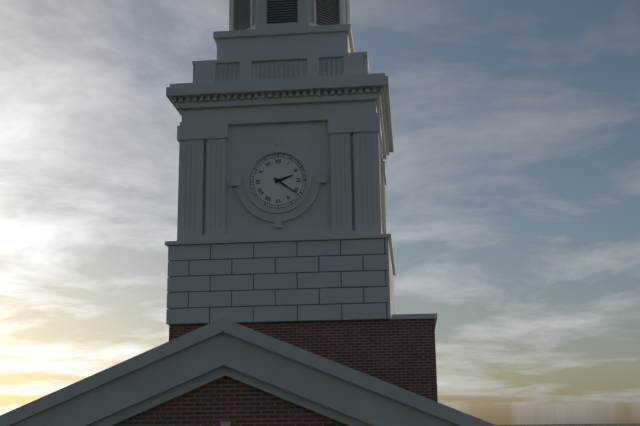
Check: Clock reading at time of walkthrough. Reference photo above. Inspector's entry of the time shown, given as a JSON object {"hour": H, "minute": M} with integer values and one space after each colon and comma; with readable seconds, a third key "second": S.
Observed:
{"hour": 2, "minute": 21}
